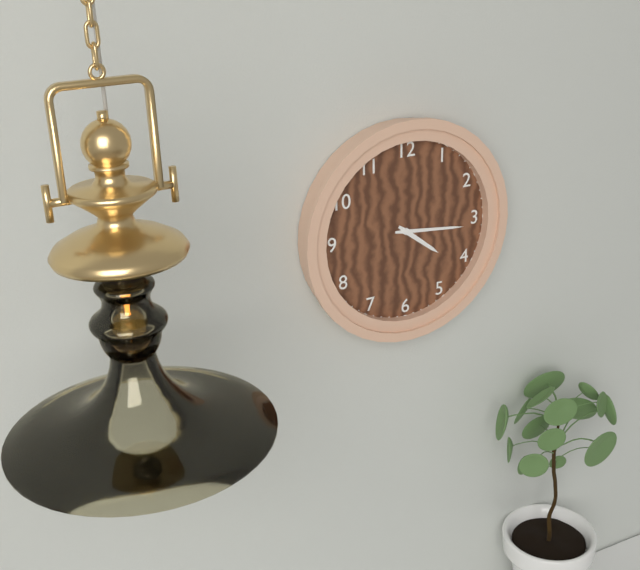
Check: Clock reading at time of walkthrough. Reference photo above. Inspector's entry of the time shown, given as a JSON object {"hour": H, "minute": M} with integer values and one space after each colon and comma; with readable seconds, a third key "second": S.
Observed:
{"hour": 4, "minute": 16}
